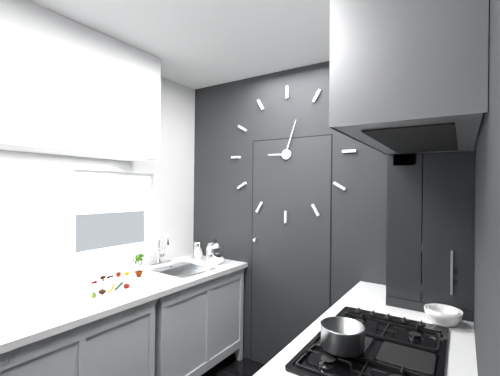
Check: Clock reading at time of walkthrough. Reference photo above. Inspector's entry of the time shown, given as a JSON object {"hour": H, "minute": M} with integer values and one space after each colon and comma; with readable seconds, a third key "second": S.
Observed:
{"hour": 9, "minute": 3}
